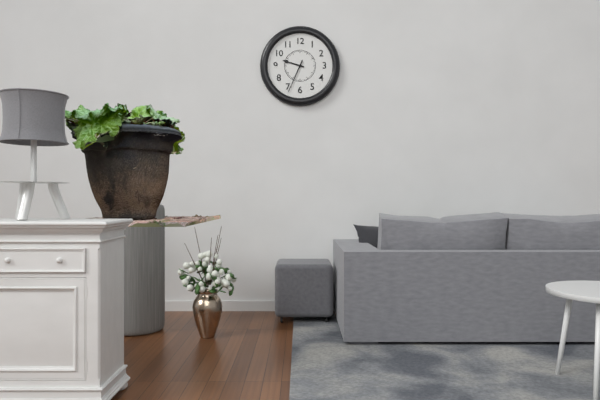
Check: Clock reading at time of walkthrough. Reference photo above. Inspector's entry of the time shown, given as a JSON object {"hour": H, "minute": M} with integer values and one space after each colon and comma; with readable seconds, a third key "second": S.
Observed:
{"hour": 9, "minute": 34}
